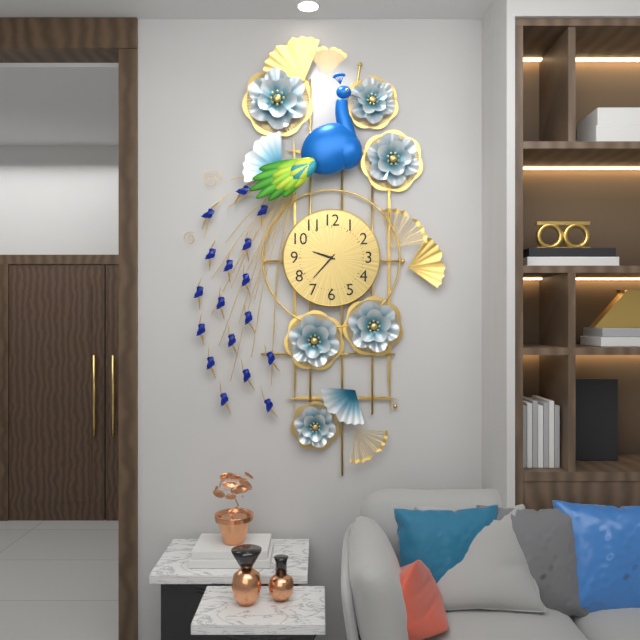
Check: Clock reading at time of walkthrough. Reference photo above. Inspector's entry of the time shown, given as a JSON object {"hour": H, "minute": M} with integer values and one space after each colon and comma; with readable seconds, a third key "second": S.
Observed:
{"hour": 9, "minute": 37}
